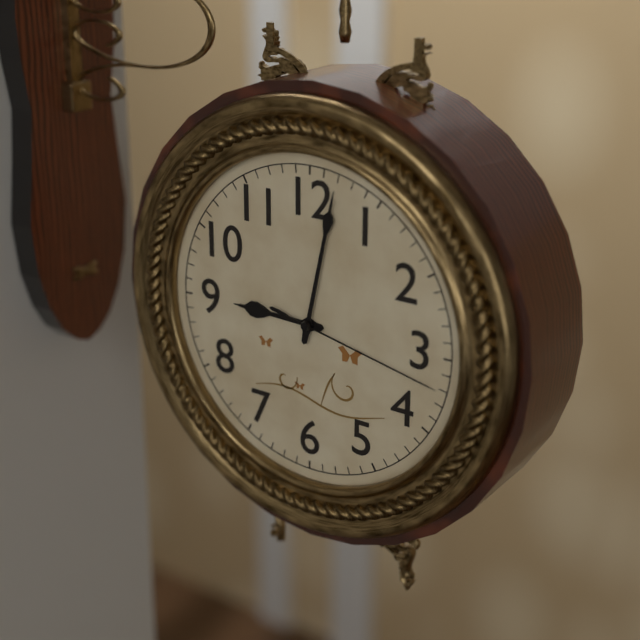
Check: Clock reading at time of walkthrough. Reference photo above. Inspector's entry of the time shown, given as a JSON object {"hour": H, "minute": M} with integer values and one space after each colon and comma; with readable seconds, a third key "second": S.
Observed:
{"hour": 9, "minute": 2, "second": 17}
